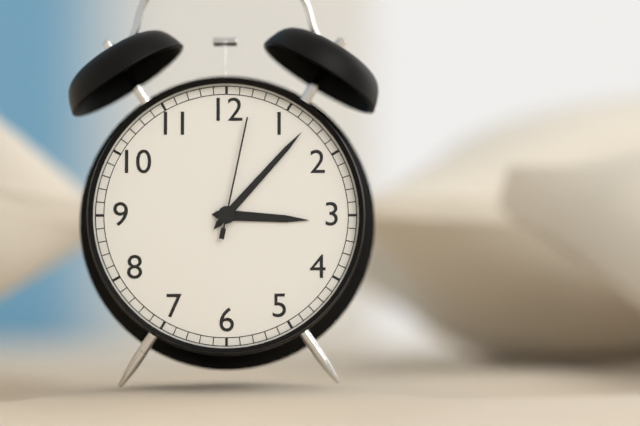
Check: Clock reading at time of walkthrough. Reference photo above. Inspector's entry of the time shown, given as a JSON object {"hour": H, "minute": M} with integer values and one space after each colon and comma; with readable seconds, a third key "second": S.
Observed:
{"hour": 3, "minute": 7, "second": 2}
